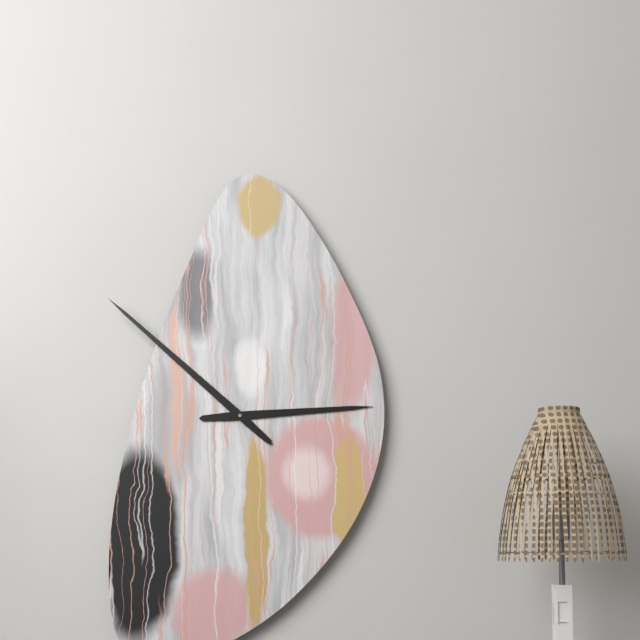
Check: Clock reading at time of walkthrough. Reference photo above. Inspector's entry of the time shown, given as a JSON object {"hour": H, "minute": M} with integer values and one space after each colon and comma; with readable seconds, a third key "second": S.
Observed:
{"hour": 2, "minute": 52}
